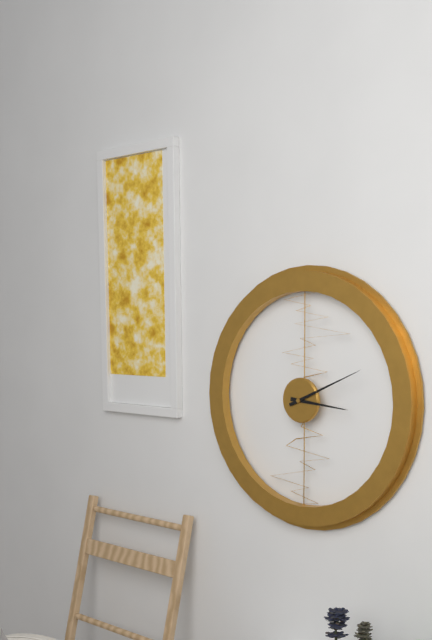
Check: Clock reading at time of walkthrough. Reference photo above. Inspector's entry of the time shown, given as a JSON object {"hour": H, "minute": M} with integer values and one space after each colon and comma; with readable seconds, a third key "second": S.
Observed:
{"hour": 3, "minute": 11}
